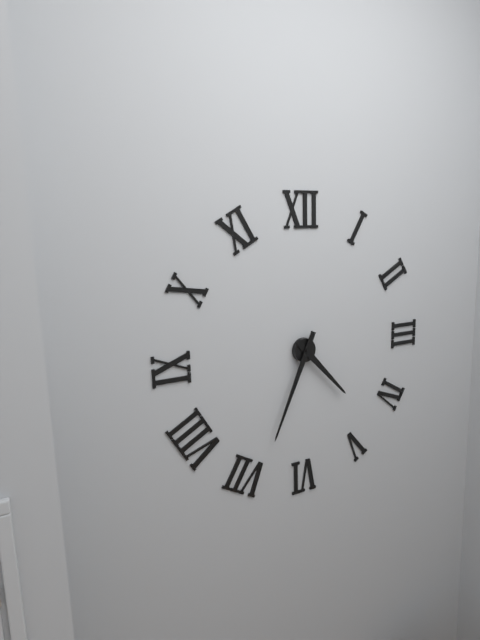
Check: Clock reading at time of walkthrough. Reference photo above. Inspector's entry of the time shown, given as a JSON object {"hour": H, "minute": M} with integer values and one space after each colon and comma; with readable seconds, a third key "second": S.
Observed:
{"hour": 4, "minute": 34}
